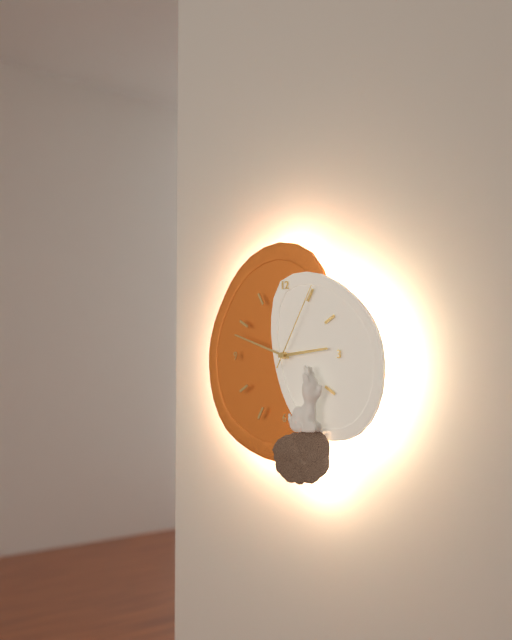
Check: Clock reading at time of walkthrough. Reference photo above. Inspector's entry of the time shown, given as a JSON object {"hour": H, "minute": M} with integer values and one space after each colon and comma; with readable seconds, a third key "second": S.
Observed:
{"hour": 2, "minute": 48, "second": 5}
